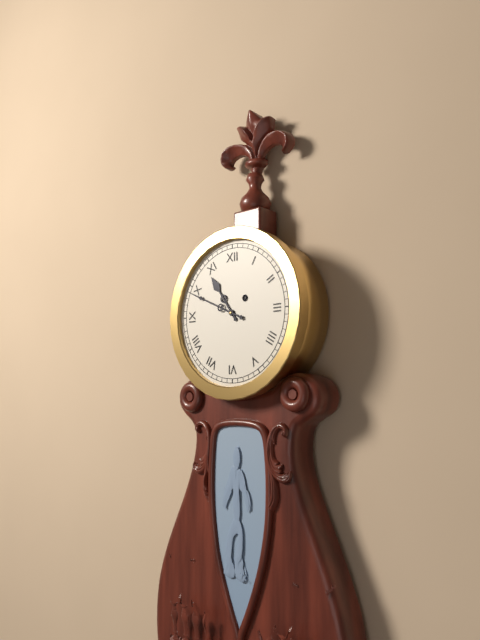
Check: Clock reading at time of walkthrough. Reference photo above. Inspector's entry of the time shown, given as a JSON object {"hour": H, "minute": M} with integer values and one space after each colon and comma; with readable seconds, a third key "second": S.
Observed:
{"hour": 10, "minute": 49}
